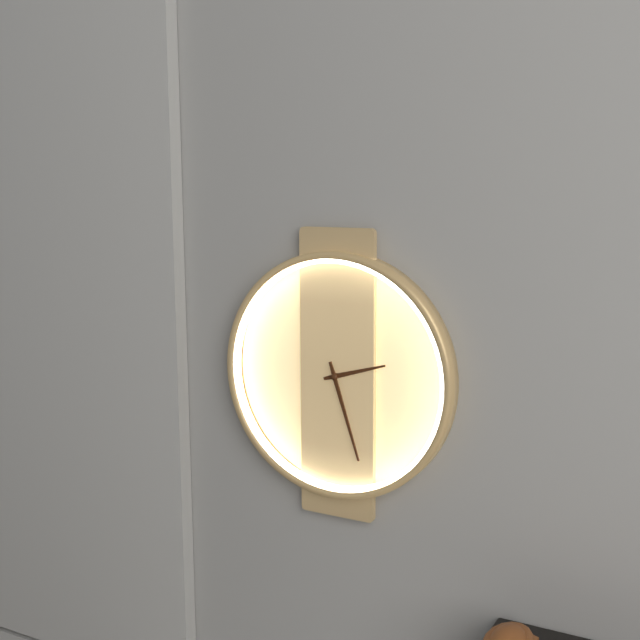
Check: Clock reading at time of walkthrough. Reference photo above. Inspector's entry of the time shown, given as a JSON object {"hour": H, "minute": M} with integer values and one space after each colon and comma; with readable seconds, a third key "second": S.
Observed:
{"hour": 2, "minute": 27}
